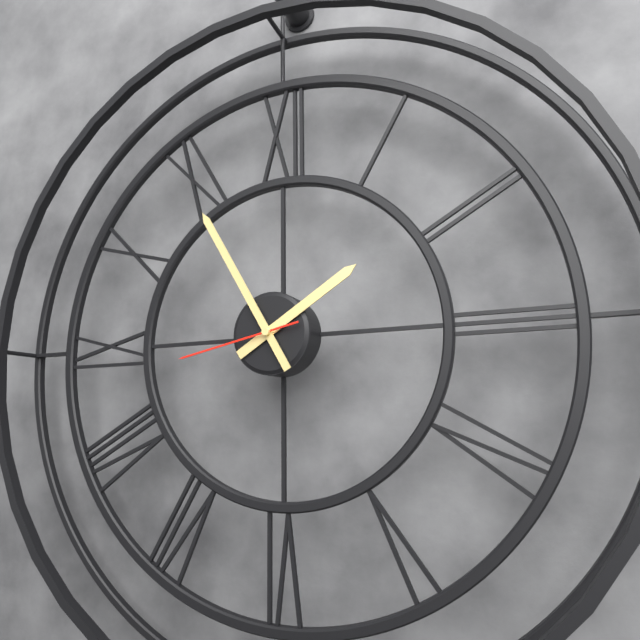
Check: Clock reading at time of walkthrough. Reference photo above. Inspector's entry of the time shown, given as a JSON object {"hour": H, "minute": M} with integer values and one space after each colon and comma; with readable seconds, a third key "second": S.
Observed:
{"hour": 1, "minute": 55, "second": 43}
